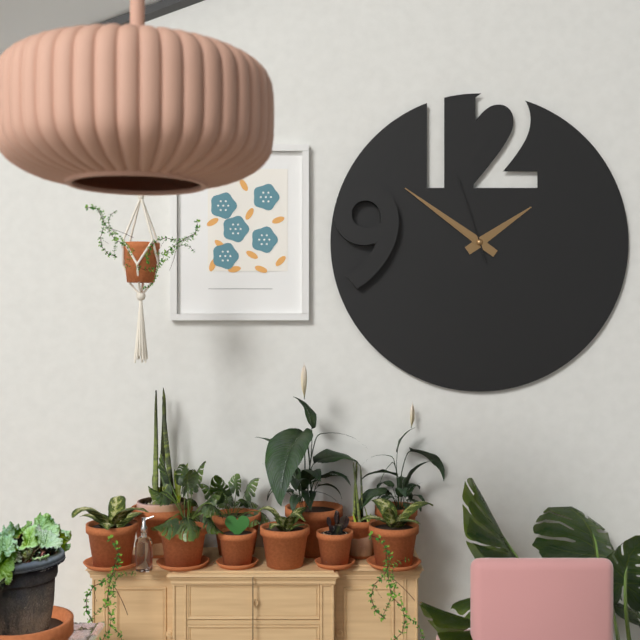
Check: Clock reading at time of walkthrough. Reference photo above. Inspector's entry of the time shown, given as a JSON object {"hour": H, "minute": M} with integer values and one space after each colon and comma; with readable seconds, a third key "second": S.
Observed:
{"hour": 1, "minute": 51, "second": 57}
